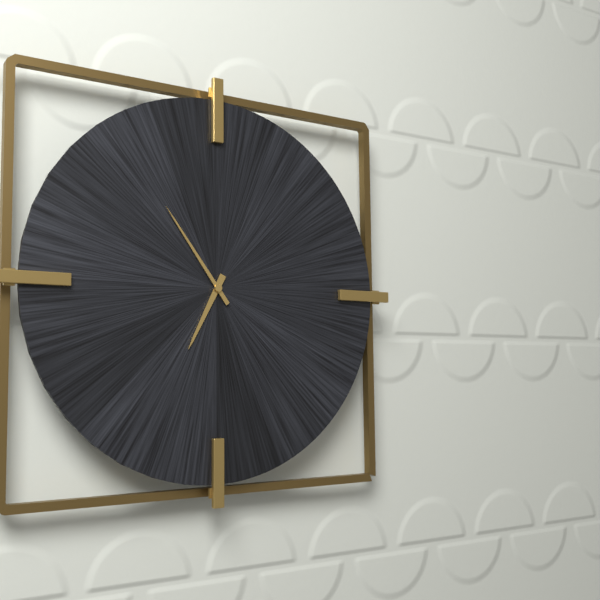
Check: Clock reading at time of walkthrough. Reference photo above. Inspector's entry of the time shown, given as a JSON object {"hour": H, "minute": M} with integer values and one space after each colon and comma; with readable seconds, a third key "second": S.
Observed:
{"hour": 6, "minute": 54}
